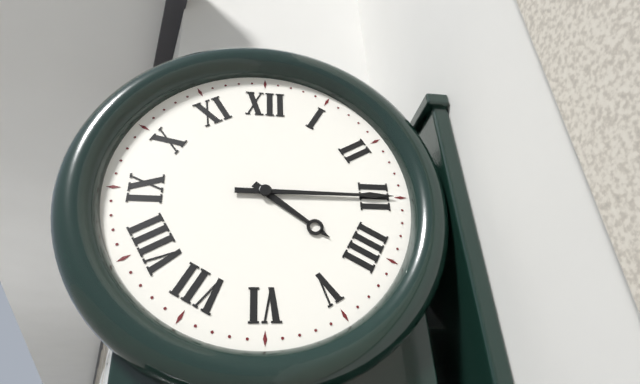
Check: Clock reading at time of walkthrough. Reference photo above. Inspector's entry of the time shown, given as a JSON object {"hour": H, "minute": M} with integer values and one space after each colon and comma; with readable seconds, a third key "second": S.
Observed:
{"hour": 4, "minute": 15}
